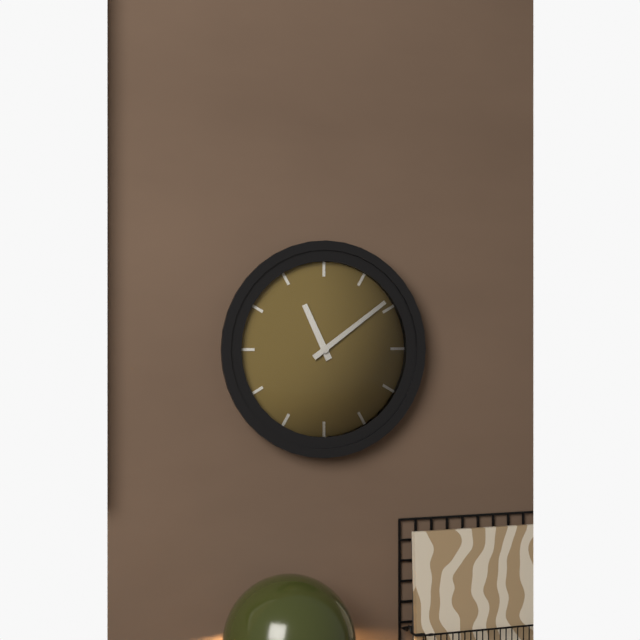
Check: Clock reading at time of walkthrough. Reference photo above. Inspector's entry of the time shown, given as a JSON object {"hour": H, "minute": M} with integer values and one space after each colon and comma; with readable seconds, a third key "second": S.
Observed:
{"hour": 11, "minute": 9}
